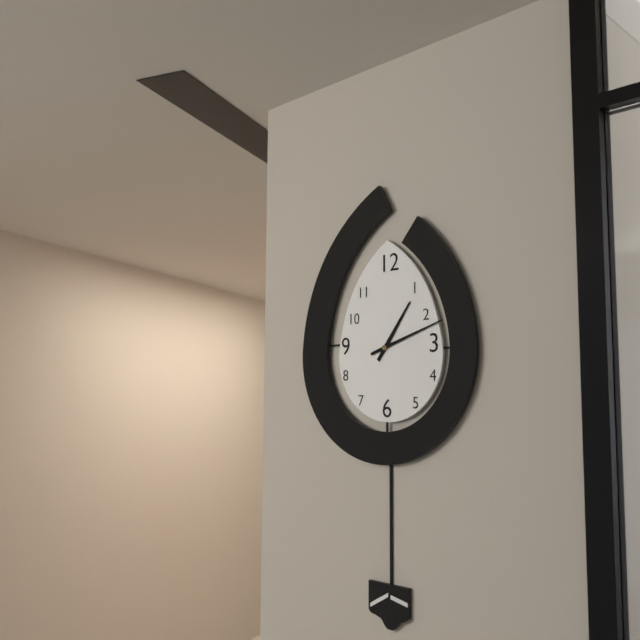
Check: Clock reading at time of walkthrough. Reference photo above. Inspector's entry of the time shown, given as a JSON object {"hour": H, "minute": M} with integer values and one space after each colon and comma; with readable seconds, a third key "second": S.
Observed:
{"hour": 1, "minute": 12}
